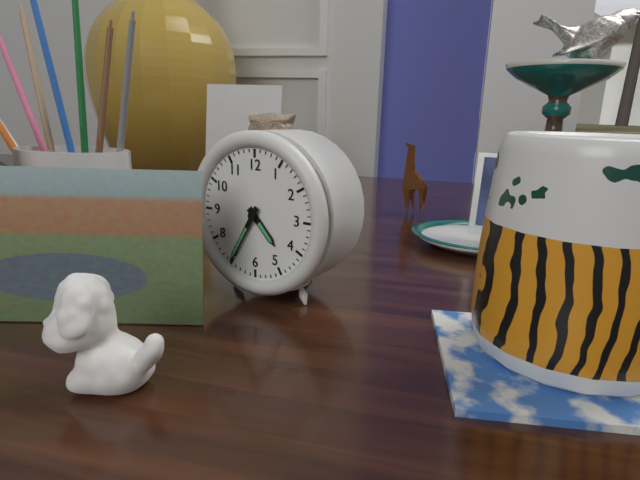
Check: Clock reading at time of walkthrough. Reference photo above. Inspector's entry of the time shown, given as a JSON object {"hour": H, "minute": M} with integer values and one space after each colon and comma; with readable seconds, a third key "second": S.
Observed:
{"hour": 4, "minute": 35}
